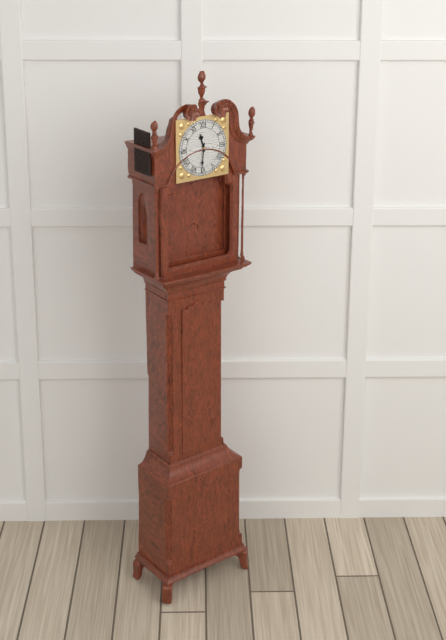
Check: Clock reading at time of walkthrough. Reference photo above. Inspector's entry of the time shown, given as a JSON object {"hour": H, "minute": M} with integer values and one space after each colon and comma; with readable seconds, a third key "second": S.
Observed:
{"hour": 11, "minute": 31}
